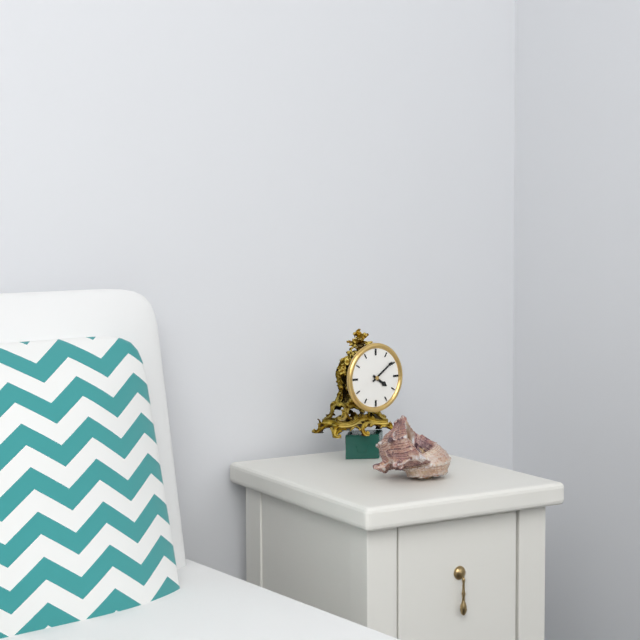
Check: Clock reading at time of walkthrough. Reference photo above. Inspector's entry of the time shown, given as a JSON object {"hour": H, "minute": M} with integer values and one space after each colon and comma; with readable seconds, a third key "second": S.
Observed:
{"hour": 4, "minute": 9}
